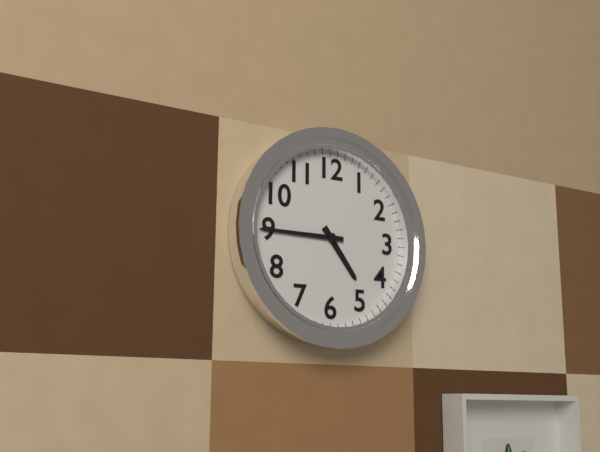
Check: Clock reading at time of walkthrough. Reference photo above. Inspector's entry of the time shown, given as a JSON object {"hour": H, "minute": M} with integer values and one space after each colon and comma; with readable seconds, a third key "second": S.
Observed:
{"hour": 4, "minute": 45}
